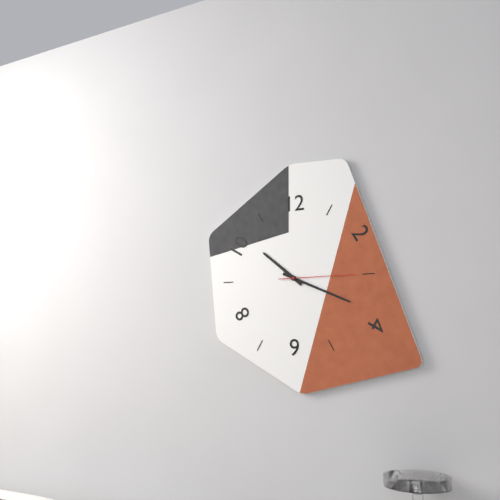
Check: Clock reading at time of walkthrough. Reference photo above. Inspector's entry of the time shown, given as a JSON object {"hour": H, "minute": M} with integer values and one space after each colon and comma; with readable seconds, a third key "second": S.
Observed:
{"hour": 10, "minute": 19, "second": 15}
